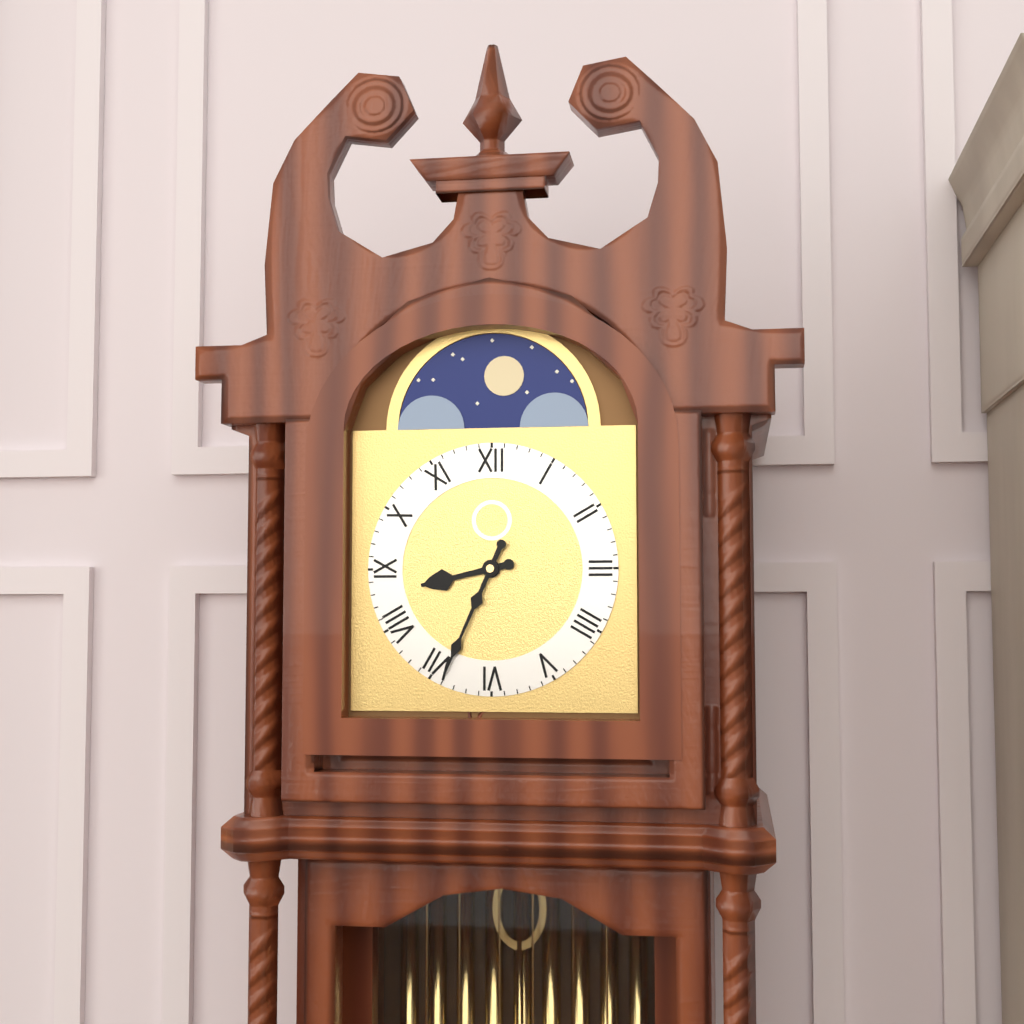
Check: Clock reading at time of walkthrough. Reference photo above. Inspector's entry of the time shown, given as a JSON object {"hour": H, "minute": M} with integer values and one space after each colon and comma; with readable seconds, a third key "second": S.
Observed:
{"hour": 8, "minute": 34}
